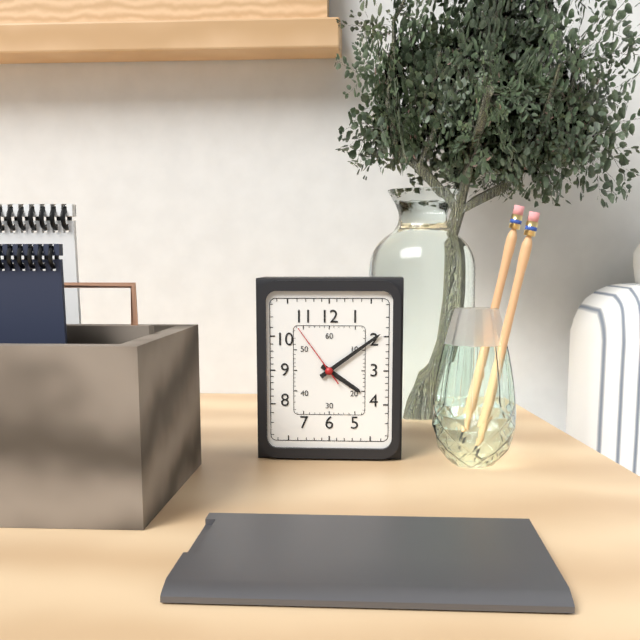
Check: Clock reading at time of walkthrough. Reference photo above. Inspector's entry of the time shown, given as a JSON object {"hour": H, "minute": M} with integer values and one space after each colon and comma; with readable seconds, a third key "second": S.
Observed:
{"hour": 4, "minute": 9, "second": 54}
